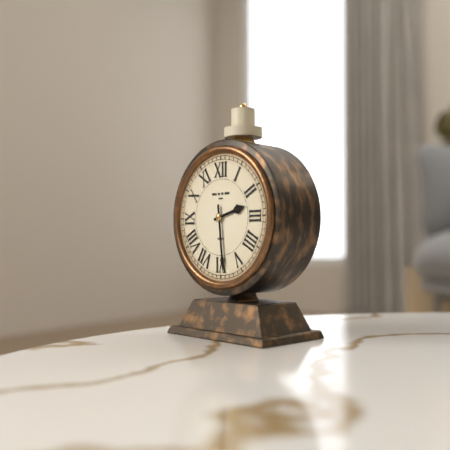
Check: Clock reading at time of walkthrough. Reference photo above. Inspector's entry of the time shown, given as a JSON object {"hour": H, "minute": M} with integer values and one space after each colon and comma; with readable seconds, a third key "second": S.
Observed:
{"hour": 2, "minute": 29}
